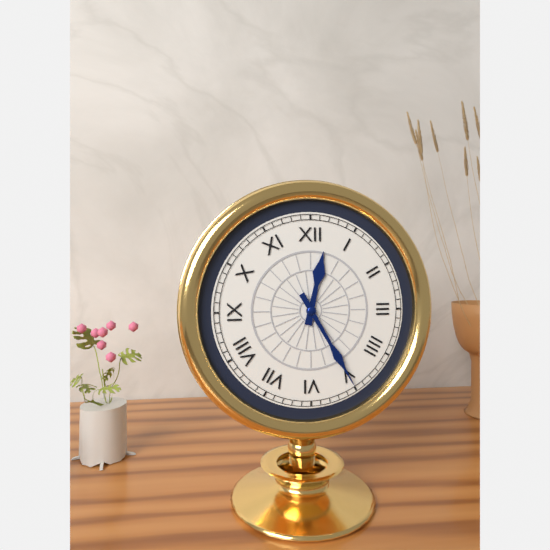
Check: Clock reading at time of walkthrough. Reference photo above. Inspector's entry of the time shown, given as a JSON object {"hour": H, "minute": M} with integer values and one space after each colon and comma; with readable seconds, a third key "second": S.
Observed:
{"hour": 12, "minute": 25}
